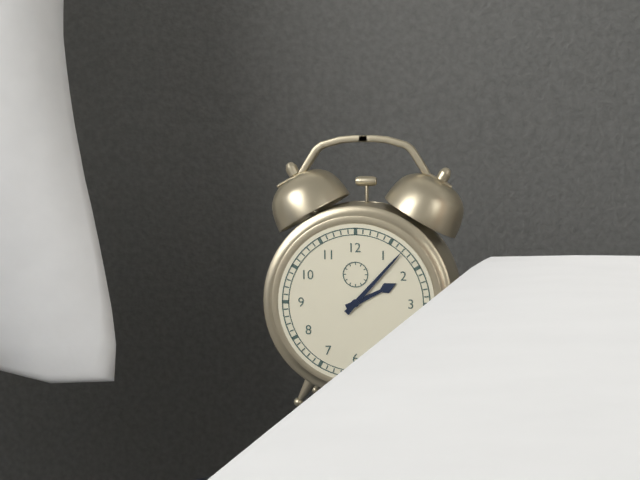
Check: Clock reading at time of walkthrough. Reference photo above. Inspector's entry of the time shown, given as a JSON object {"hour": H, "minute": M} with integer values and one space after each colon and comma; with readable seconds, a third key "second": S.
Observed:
{"hour": 2, "minute": 7}
